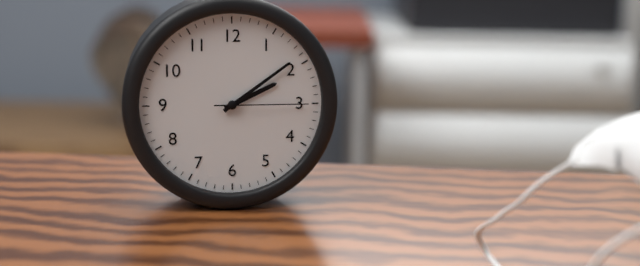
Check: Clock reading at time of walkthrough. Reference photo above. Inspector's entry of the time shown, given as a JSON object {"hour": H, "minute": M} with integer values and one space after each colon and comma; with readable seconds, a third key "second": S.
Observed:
{"hour": 2, "minute": 9, "second": 15}
